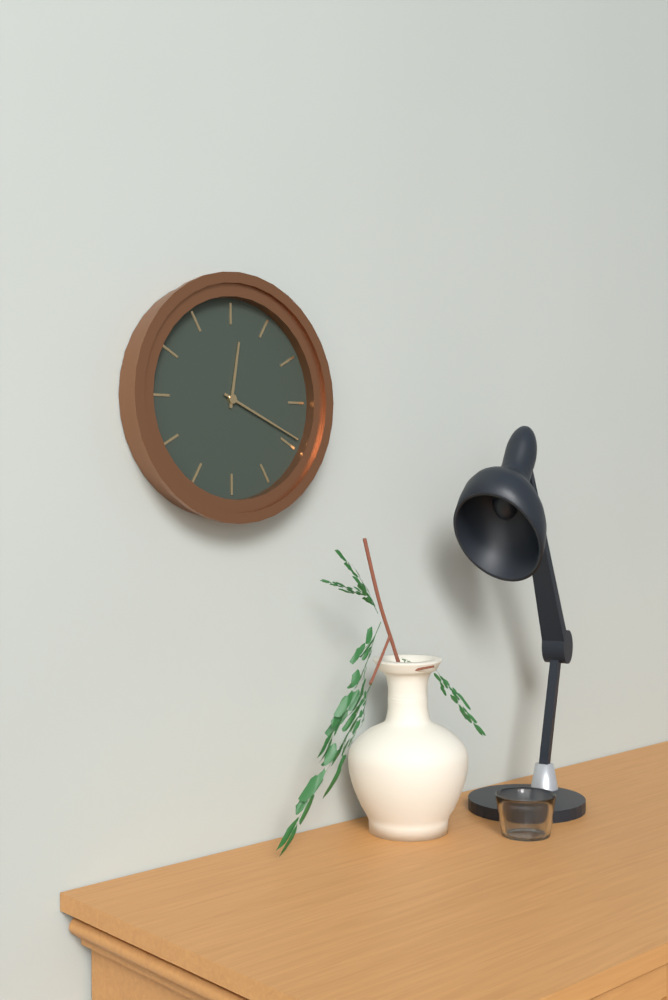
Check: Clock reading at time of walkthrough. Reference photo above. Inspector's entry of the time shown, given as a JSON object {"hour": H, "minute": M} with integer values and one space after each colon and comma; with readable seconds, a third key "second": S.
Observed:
{"hour": 12, "minute": 19}
